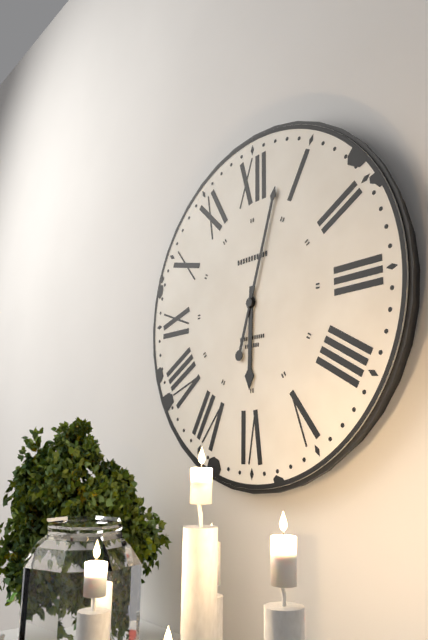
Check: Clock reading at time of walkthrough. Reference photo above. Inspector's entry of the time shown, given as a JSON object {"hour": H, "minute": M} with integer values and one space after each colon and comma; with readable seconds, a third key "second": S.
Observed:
{"hour": 6, "minute": 3}
